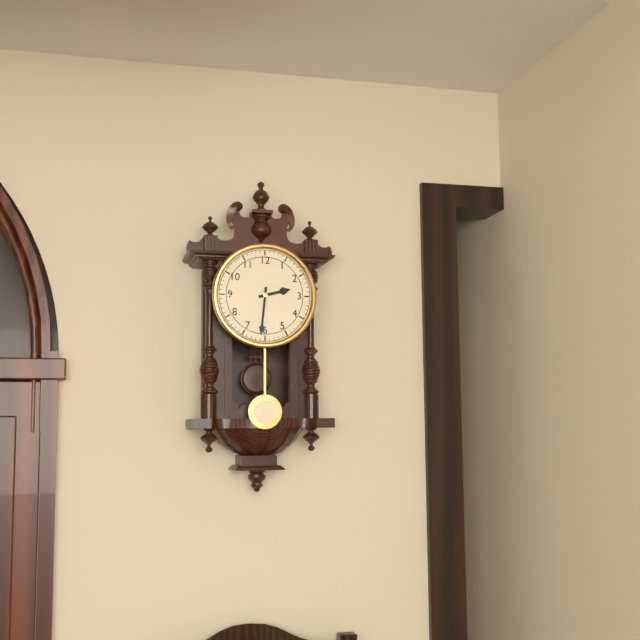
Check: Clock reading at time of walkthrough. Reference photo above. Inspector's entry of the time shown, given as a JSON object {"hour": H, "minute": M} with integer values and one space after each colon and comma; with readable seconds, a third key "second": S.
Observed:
{"hour": 2, "minute": 31}
